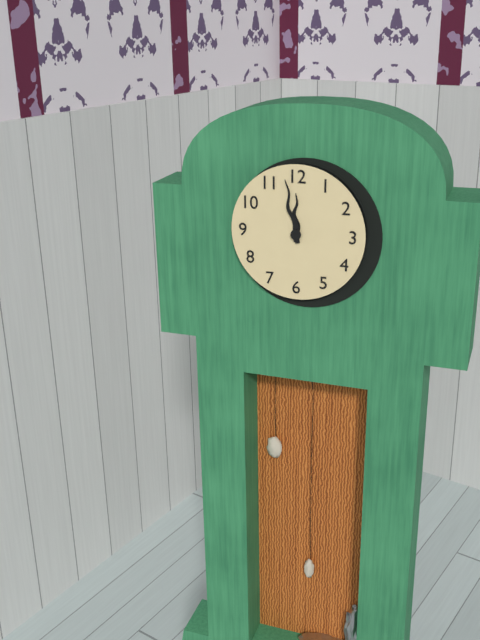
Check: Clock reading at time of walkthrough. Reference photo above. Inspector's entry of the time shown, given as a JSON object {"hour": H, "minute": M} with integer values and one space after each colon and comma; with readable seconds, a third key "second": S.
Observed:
{"hour": 11, "minute": 58}
